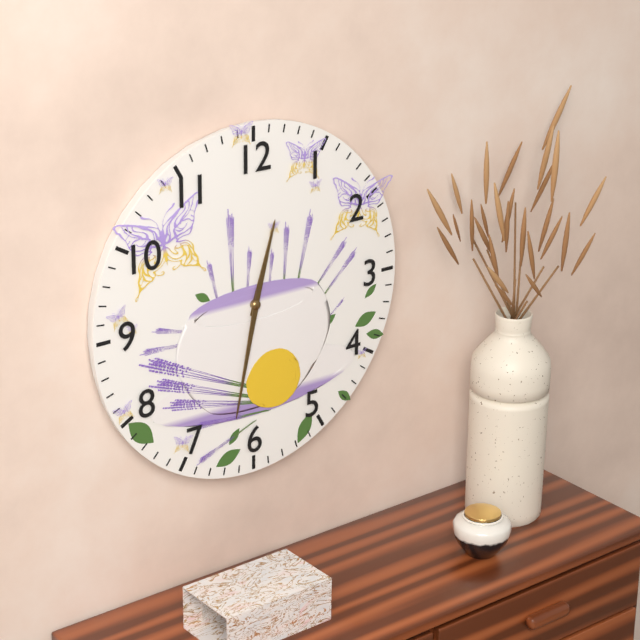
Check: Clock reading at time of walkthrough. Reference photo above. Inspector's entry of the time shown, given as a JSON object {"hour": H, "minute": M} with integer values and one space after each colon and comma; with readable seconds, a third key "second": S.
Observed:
{"hour": 12, "minute": 32}
